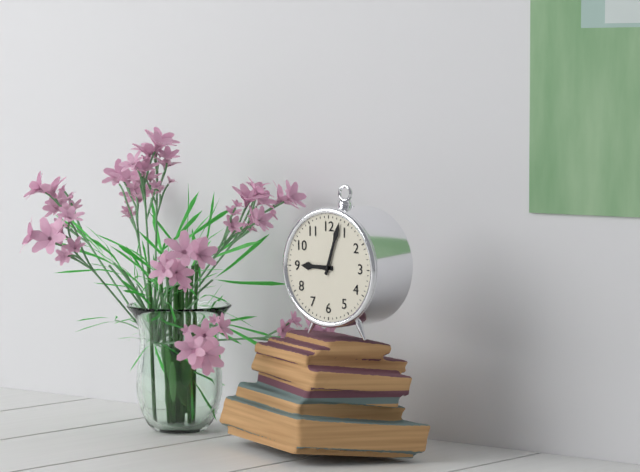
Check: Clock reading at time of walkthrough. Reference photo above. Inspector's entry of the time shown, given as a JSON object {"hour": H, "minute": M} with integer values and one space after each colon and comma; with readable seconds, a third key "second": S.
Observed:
{"hour": 9, "minute": 3}
